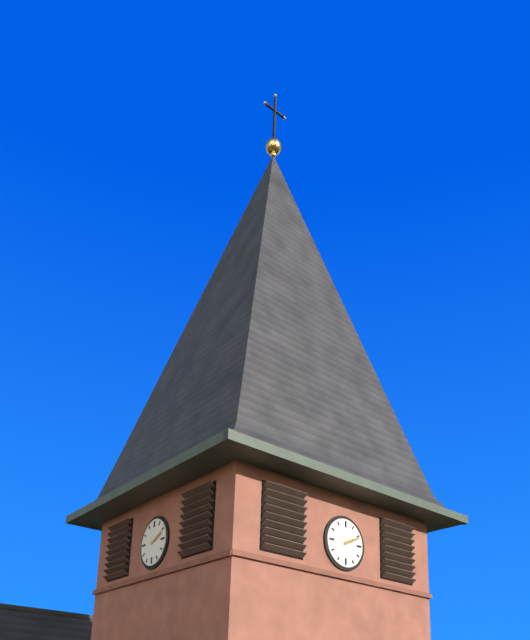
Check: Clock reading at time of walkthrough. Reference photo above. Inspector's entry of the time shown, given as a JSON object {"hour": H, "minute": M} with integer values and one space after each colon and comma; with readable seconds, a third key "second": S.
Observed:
{"hour": 2, "minute": 11}
